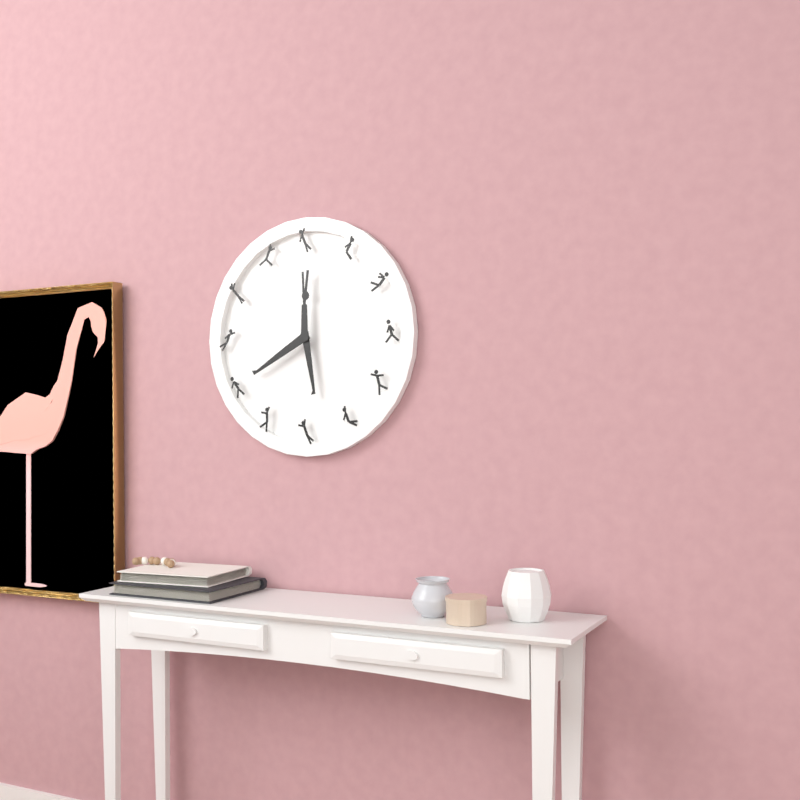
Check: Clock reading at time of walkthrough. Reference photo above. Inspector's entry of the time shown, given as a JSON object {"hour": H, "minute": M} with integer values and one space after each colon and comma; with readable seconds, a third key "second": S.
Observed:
{"hour": 5, "minute": 40}
